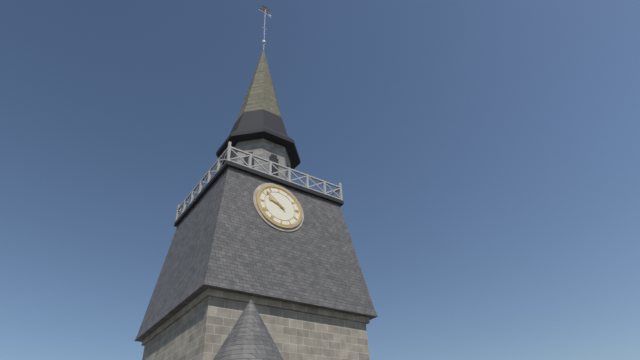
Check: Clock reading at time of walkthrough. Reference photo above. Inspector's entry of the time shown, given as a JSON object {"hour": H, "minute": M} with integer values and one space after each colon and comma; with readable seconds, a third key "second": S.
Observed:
{"hour": 9, "minute": 52}
